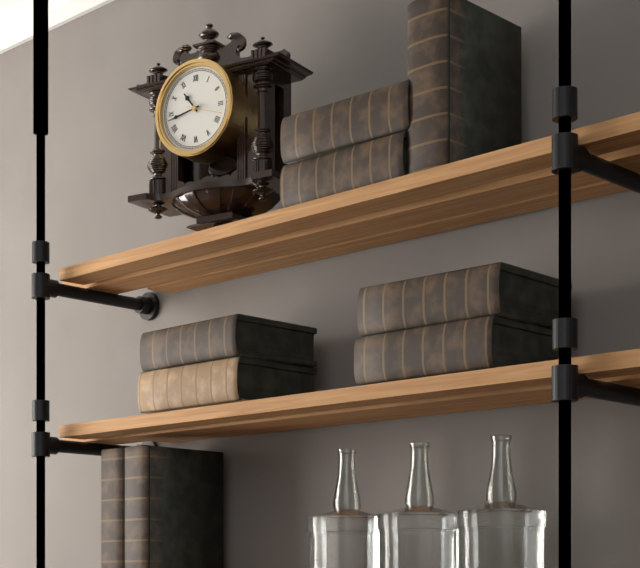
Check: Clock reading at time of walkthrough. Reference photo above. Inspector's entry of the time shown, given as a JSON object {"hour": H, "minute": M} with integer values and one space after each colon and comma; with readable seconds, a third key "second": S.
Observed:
{"hour": 10, "minute": 43}
